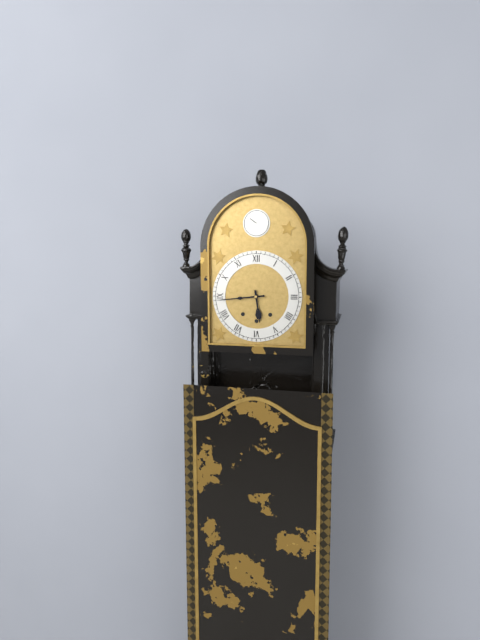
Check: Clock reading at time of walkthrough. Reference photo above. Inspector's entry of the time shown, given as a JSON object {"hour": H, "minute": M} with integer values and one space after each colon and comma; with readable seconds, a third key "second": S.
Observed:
{"hour": 5, "minute": 44}
